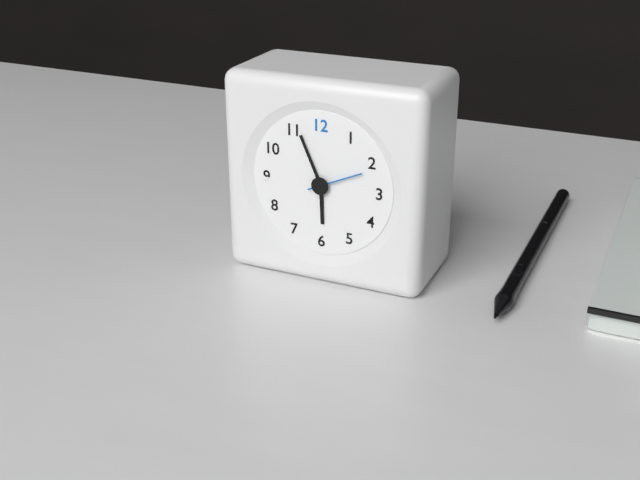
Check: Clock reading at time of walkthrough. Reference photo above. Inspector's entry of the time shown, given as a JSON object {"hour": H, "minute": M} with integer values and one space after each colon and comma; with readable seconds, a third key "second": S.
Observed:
{"hour": 5, "minute": 56, "second": 11}
